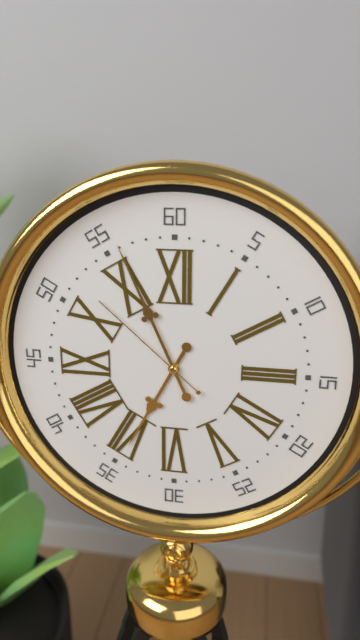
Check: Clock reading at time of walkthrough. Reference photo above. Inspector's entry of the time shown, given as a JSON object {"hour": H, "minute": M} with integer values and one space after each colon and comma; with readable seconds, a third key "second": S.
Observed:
{"hour": 6, "minute": 56, "second": 52}
